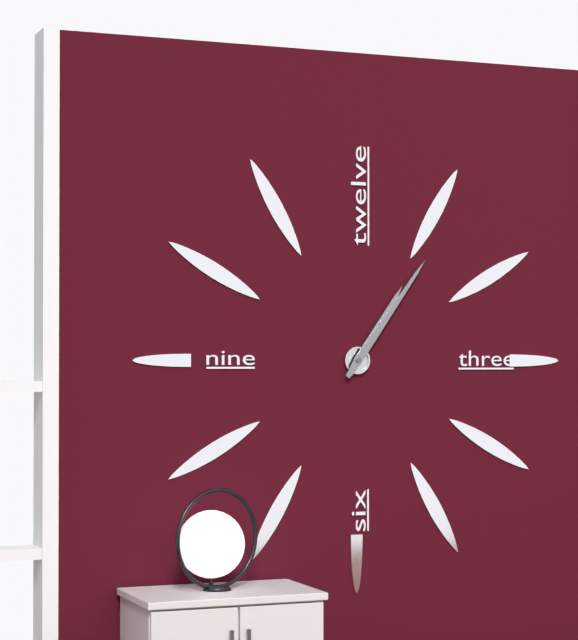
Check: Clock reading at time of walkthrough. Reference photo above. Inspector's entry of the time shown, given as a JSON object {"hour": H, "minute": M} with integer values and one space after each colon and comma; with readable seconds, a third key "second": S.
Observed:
{"hour": 1, "minute": 6}
